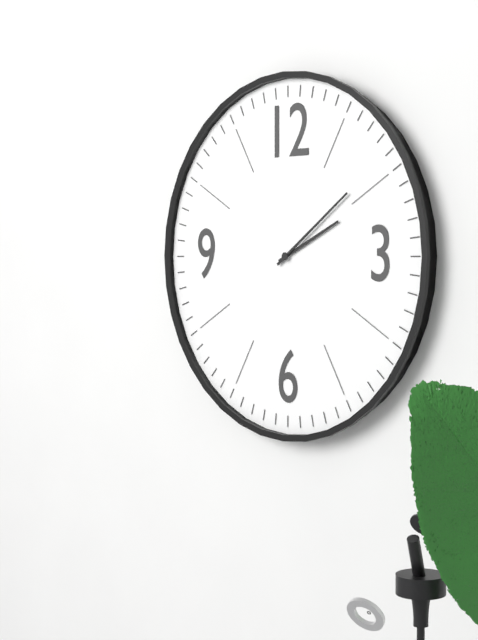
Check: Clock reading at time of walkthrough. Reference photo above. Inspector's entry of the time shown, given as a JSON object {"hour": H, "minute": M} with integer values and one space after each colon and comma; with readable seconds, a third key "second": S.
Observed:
{"hour": 2, "minute": 9}
